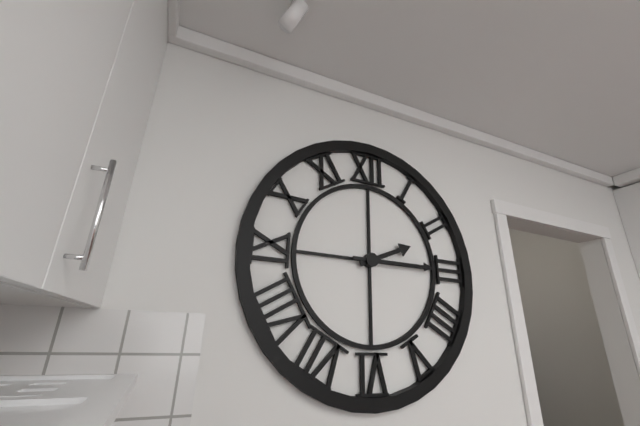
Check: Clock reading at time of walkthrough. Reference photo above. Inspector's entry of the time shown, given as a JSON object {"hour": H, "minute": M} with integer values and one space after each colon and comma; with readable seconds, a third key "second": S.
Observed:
{"hour": 2, "minute": 15}
